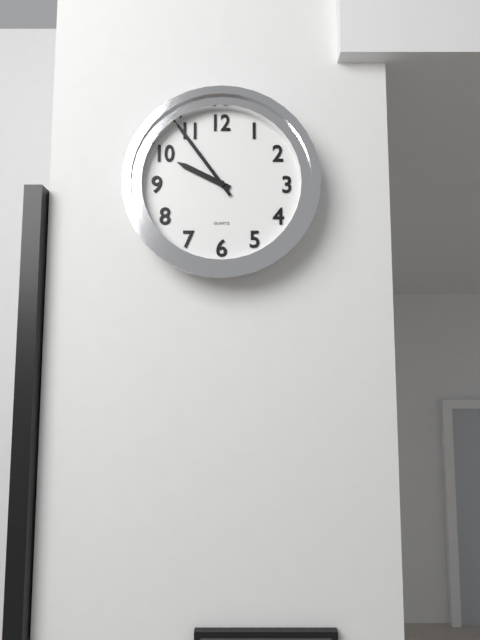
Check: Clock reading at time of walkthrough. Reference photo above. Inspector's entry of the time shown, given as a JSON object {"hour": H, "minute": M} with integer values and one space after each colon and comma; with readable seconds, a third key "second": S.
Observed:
{"hour": 9, "minute": 54}
